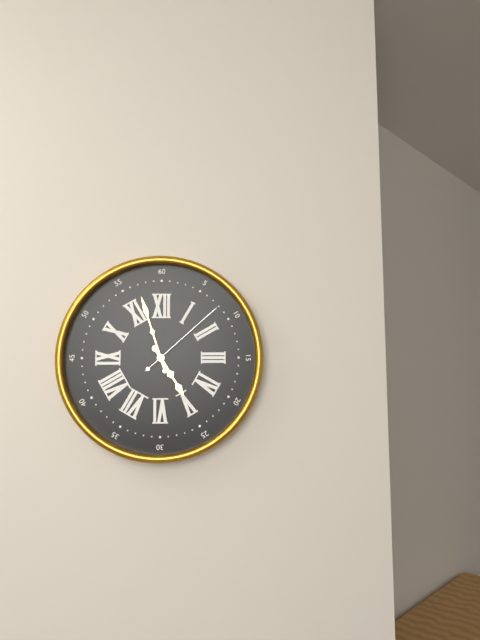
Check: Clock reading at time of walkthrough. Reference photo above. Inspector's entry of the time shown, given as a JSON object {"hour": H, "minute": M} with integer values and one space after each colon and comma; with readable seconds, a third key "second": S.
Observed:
{"hour": 4, "minute": 57, "second": 8}
